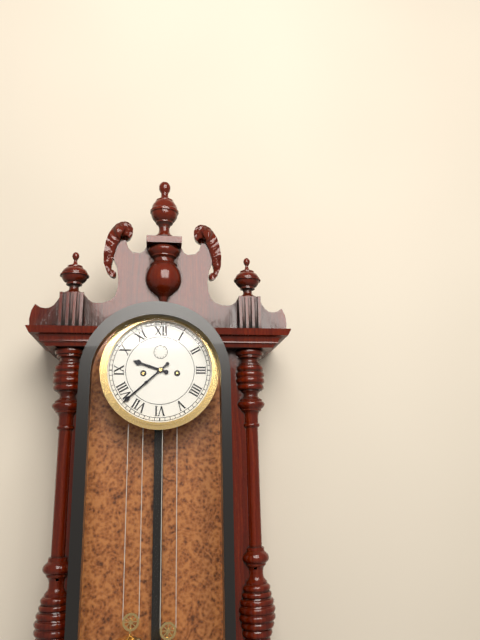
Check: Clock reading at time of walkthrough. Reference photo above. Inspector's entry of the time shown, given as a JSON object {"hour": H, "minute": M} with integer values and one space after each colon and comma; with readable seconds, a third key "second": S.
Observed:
{"hour": 9, "minute": 38}
